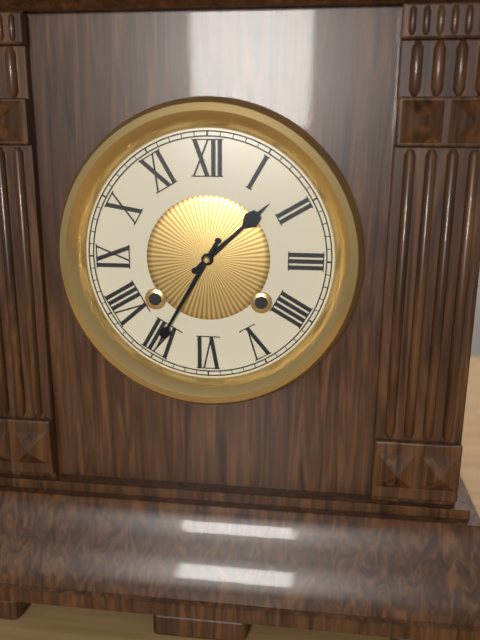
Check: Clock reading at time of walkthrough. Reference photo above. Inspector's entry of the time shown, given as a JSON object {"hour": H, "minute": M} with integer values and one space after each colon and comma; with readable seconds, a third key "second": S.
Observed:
{"hour": 1, "minute": 35}
